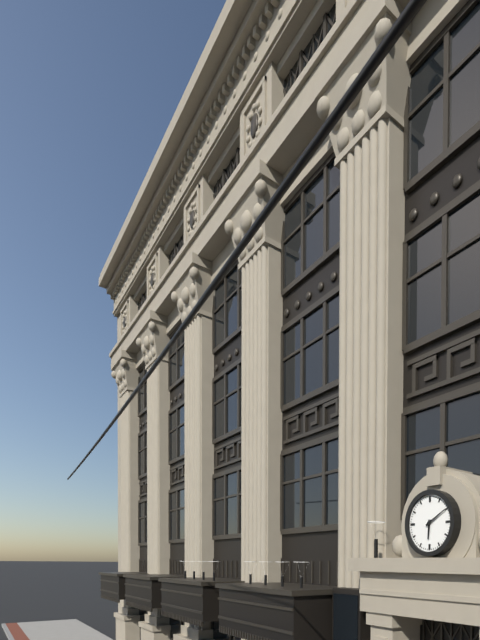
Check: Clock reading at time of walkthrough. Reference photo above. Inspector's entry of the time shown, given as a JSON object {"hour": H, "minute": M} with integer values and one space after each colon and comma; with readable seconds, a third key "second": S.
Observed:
{"hour": 6, "minute": 10}
